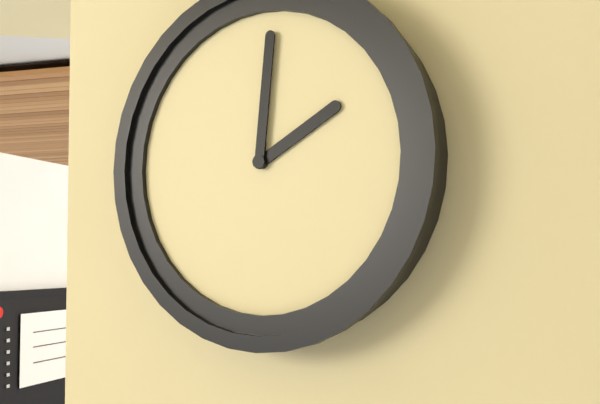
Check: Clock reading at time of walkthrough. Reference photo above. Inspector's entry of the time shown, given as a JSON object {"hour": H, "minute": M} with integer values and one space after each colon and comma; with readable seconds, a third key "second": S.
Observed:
{"hour": 2, "minute": 1}
